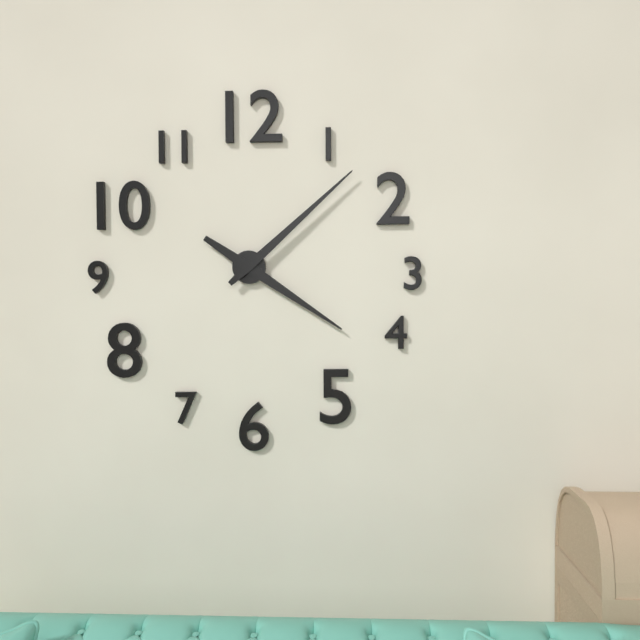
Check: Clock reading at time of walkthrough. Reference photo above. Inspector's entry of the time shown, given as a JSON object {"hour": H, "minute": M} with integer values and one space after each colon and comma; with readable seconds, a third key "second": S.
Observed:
{"hour": 4, "minute": 8}
